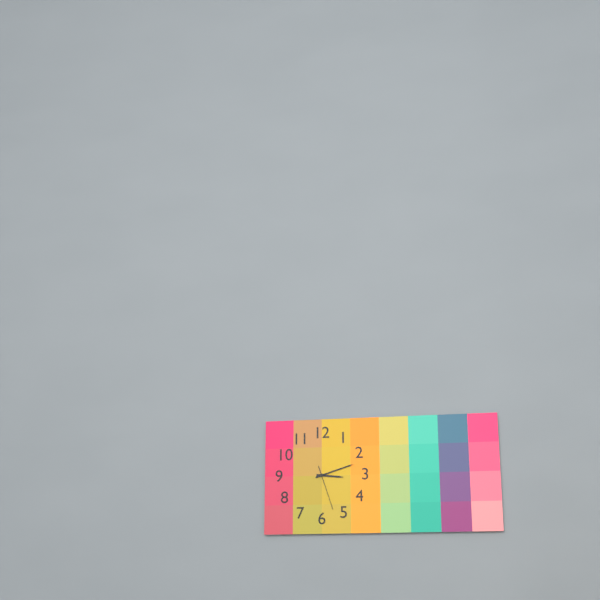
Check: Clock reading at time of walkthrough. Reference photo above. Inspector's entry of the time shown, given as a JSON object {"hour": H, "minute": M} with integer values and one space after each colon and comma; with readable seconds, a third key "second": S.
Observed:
{"hour": 3, "minute": 12}
